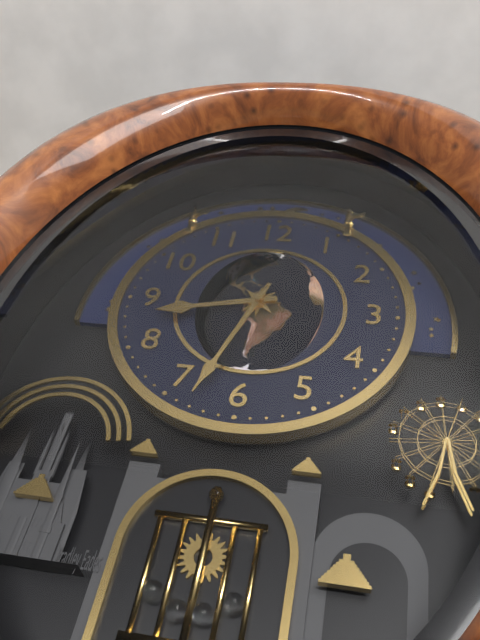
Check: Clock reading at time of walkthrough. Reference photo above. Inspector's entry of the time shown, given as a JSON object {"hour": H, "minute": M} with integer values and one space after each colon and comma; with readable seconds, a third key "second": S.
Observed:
{"hour": 8, "minute": 33}
